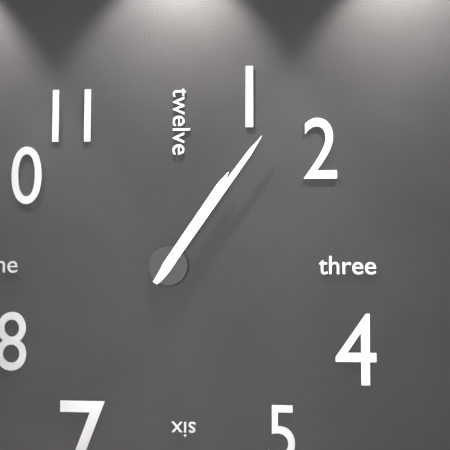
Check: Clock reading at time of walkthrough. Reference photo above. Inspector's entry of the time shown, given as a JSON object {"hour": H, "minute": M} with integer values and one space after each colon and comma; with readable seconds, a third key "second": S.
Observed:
{"hour": 1, "minute": 6}
